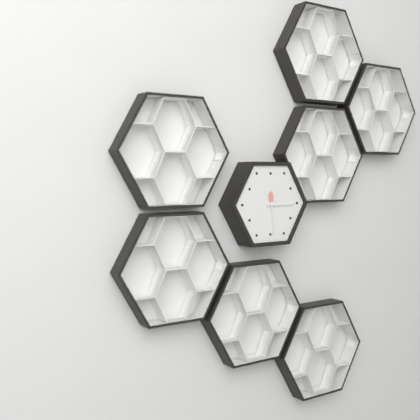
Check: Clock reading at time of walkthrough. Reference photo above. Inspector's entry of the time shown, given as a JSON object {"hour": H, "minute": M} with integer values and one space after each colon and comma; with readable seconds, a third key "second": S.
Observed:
{"hour": 11, "minute": 15}
